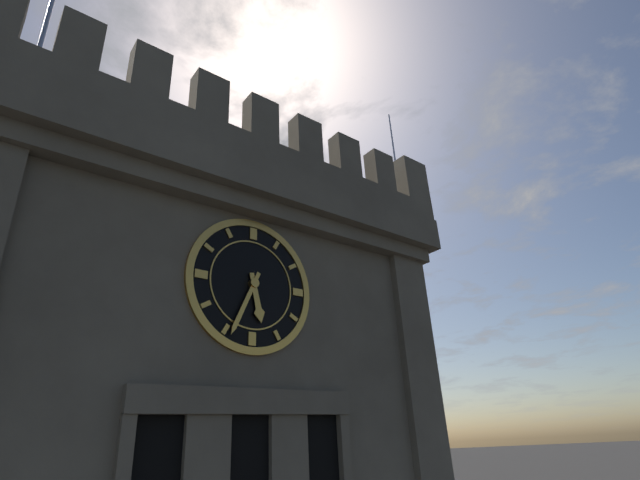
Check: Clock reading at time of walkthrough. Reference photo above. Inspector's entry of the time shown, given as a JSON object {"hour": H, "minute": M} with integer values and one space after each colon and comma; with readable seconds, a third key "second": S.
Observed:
{"hour": 5, "minute": 34}
